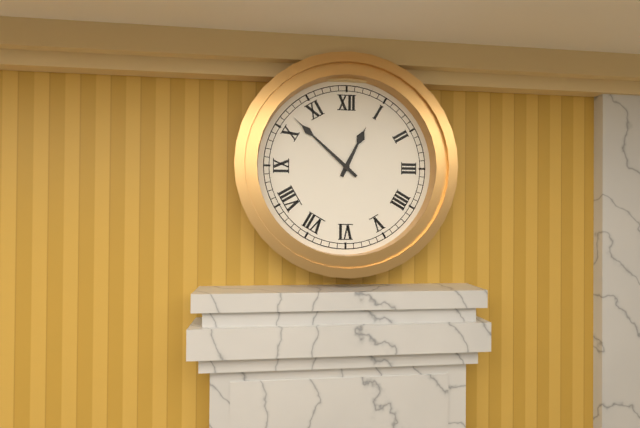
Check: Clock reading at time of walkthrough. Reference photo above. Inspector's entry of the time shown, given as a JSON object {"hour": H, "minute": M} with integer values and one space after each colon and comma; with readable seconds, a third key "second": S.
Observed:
{"hour": 12, "minute": 52}
